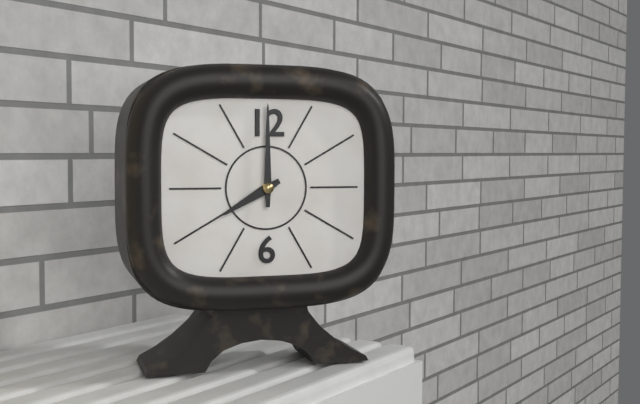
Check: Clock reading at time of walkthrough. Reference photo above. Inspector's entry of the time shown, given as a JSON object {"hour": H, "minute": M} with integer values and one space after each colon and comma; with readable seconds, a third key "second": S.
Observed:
{"hour": 8, "minute": 0}
